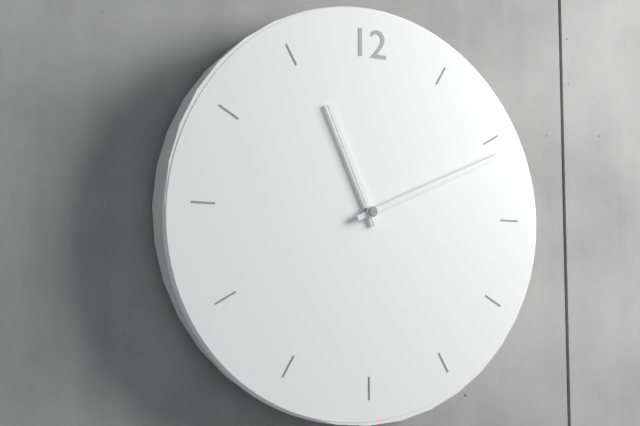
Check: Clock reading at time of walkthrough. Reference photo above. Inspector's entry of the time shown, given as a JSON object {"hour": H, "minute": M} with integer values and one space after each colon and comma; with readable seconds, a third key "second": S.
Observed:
{"hour": 11, "minute": 11}
